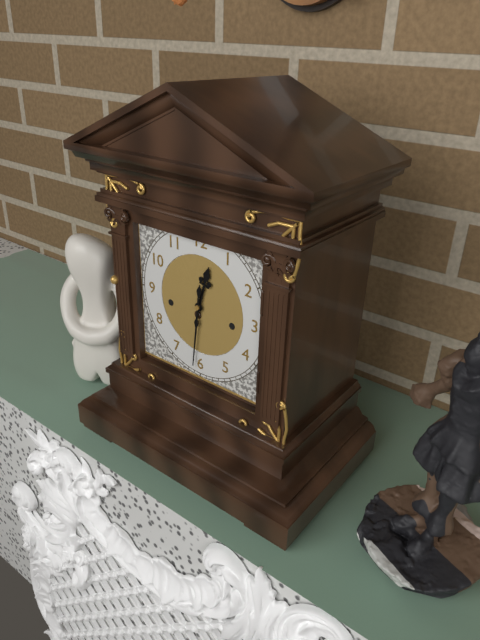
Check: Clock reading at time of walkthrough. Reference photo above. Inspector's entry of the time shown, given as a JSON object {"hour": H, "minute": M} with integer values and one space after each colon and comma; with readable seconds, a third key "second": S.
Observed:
{"hour": 12, "minute": 31}
